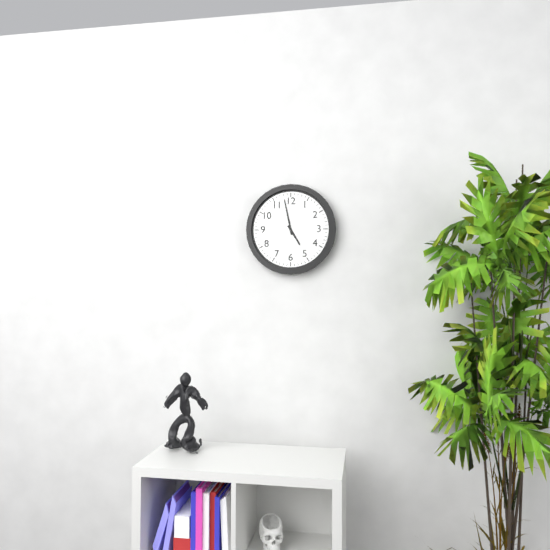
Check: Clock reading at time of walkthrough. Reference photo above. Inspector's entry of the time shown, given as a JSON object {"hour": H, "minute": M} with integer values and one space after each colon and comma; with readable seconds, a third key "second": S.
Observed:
{"hour": 4, "minute": 58}
